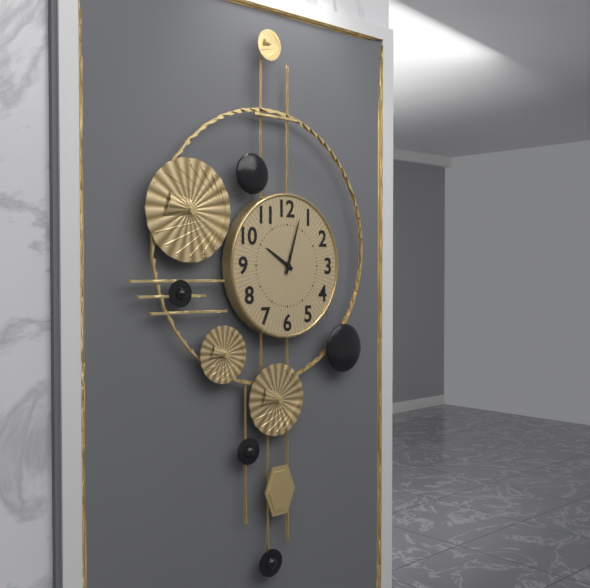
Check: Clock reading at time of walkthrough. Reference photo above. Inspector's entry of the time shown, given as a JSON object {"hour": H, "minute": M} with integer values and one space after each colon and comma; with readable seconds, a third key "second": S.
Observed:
{"hour": 10, "minute": 3}
